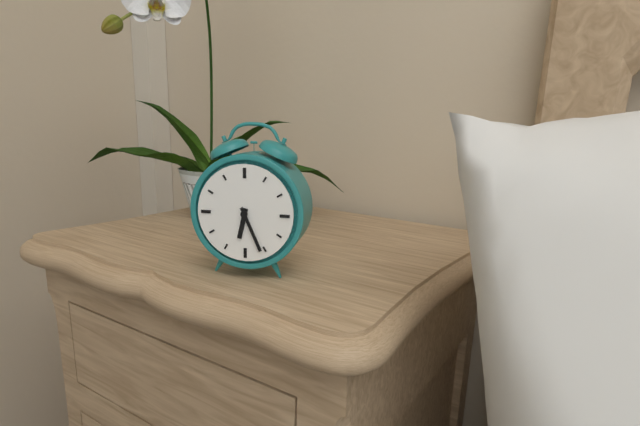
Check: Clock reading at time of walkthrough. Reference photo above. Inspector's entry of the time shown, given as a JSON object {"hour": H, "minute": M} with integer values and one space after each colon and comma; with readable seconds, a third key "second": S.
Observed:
{"hour": 6, "minute": 26}
